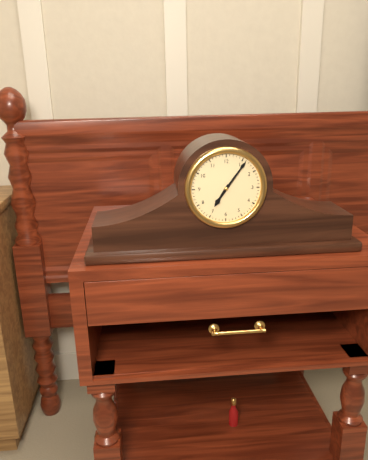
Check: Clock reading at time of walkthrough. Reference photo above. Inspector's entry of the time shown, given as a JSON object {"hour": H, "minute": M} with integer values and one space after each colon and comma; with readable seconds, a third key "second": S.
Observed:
{"hour": 7, "minute": 6}
